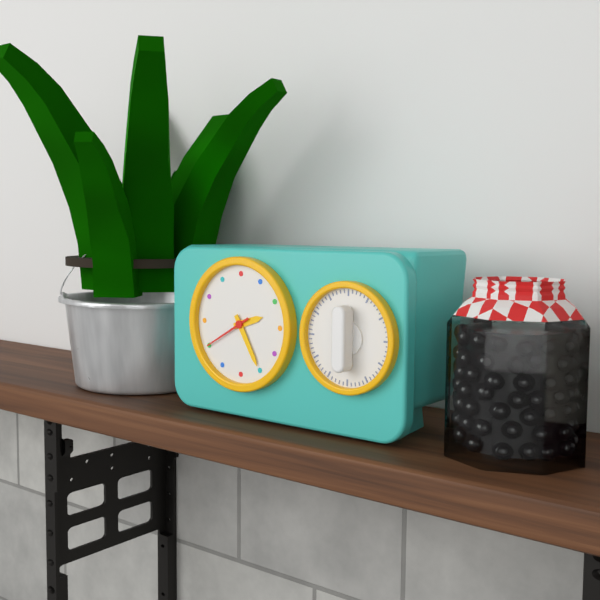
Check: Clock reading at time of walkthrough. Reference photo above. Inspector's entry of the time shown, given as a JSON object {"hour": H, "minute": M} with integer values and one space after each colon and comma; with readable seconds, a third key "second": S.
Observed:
{"hour": 2, "minute": 25}
